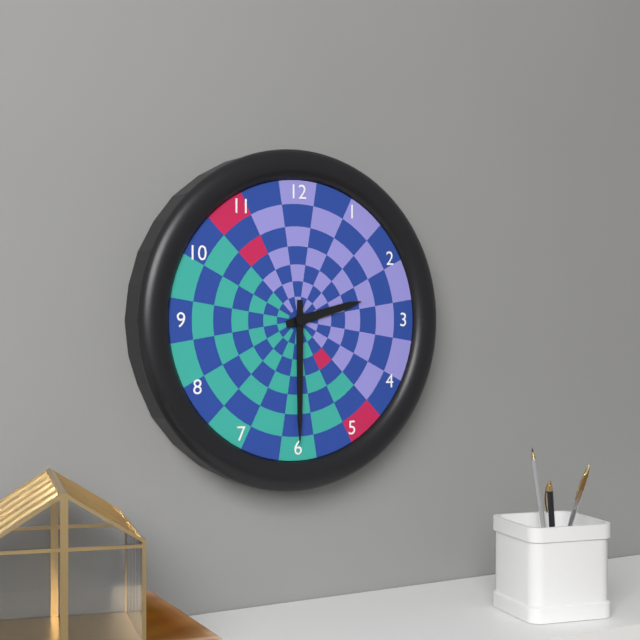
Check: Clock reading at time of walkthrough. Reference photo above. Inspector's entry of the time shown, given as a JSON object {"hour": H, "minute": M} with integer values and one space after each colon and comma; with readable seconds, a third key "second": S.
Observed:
{"hour": 2, "minute": 30}
